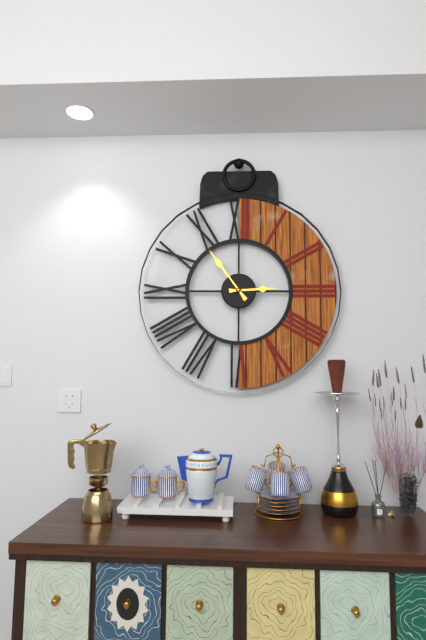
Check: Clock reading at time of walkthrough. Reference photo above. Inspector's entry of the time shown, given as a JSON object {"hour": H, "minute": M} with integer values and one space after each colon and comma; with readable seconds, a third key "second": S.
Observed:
{"hour": 2, "minute": 54}
